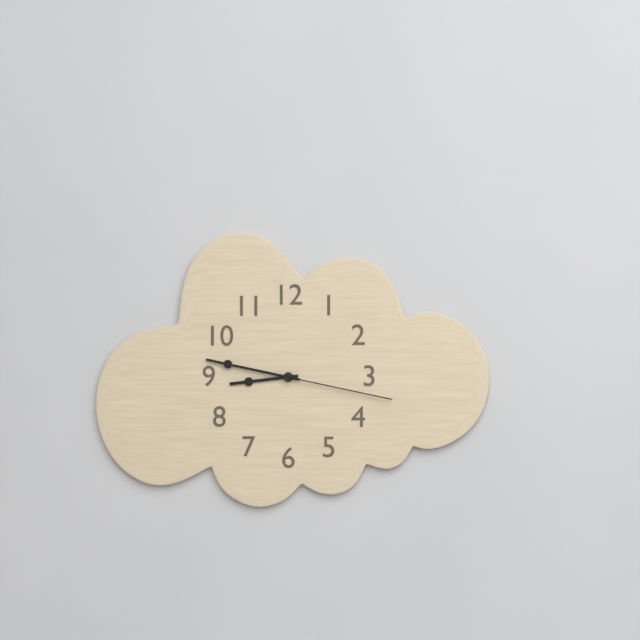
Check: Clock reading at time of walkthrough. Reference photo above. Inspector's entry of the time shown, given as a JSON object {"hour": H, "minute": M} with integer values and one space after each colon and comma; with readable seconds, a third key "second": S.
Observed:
{"hour": 8, "minute": 47, "second": 17}
